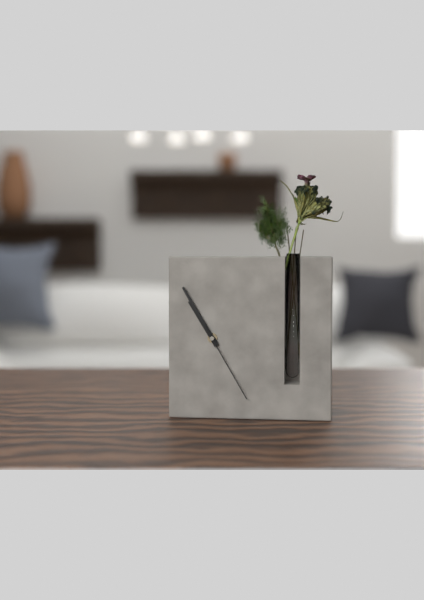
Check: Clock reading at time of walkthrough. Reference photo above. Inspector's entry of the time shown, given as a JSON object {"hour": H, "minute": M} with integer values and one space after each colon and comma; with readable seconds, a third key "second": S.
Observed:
{"hour": 10, "minute": 55, "second": 25}
